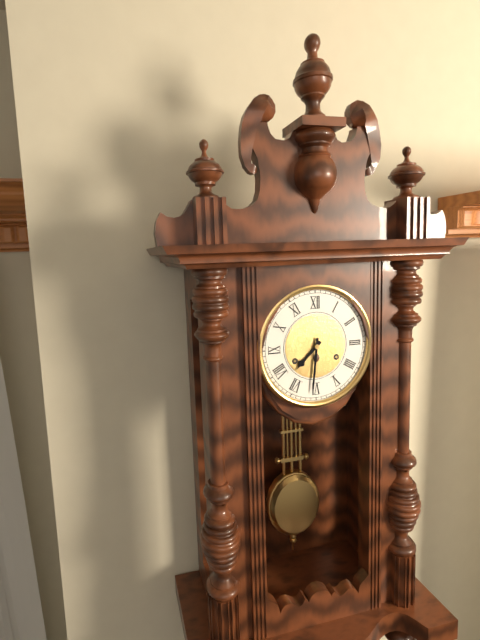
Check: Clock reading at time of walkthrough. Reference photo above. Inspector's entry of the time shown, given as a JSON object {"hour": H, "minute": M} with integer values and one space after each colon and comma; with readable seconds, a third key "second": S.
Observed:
{"hour": 7, "minute": 31}
